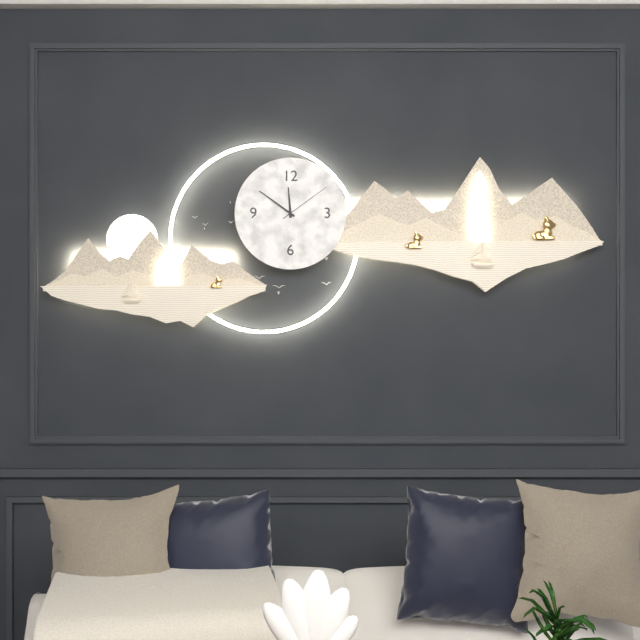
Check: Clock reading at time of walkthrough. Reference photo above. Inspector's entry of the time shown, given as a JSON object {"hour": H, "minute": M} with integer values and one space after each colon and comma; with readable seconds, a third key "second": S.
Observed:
{"hour": 11, "minute": 51, "second": 9}
